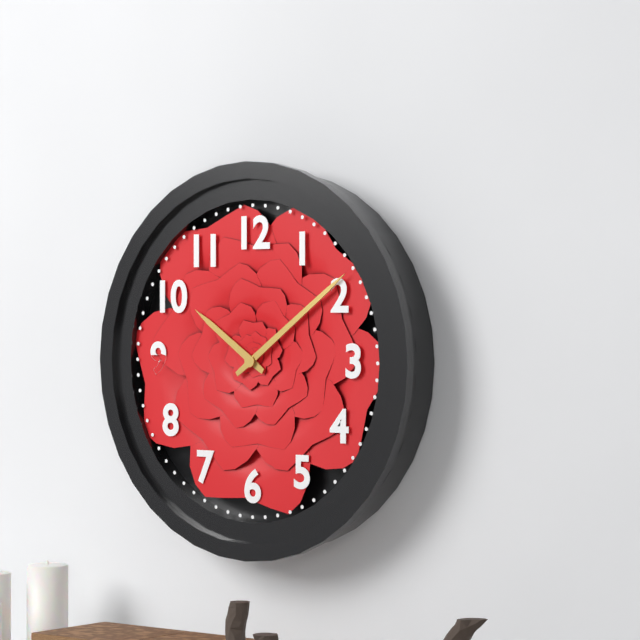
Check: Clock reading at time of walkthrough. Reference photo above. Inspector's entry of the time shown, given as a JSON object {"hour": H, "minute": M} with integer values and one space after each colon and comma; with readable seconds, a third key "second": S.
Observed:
{"hour": 10, "minute": 9}
